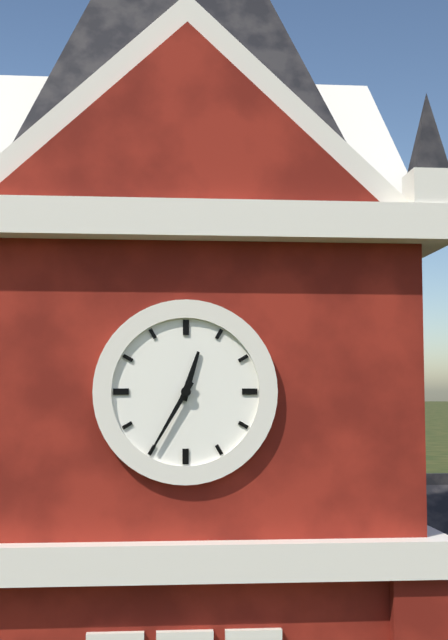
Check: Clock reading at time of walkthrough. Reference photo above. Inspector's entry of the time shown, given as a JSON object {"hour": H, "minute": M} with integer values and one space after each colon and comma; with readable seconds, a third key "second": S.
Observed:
{"hour": 12, "minute": 35}
